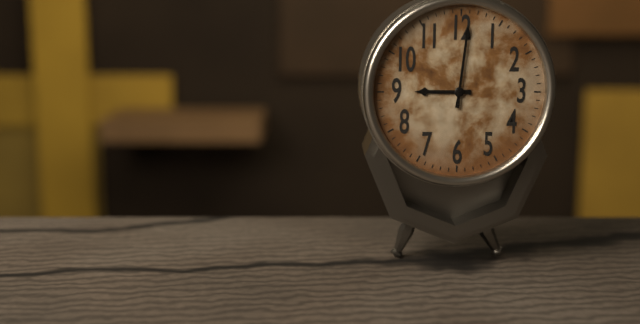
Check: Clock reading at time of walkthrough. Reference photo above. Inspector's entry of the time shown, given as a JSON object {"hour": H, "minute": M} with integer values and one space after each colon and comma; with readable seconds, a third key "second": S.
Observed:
{"hour": 9, "minute": 1}
